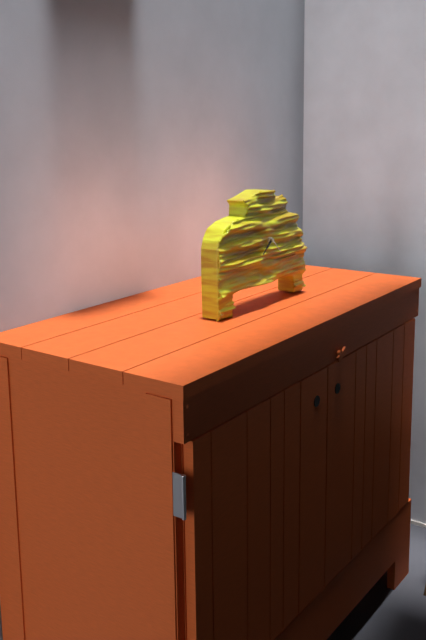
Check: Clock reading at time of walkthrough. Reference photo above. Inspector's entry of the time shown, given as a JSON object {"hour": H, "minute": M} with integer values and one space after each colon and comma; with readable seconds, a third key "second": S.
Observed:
{"hour": 7, "minute": 39}
